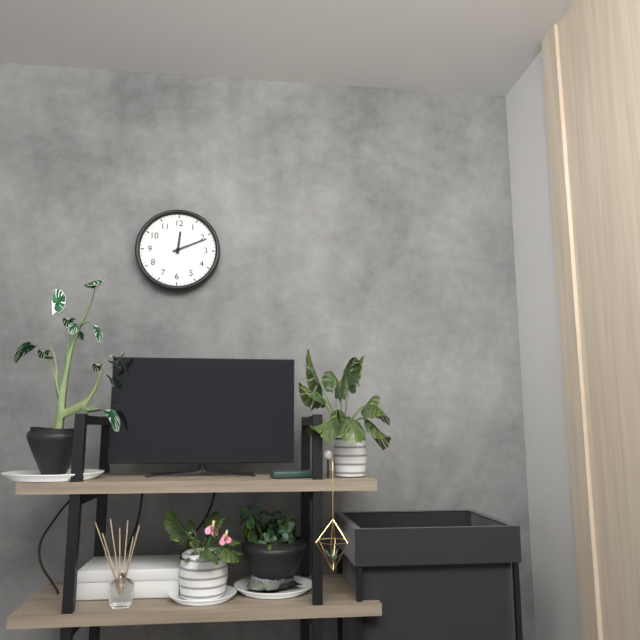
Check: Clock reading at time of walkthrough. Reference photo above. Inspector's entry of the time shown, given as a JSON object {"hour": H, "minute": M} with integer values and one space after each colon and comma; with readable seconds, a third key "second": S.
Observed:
{"hour": 12, "minute": 11}
